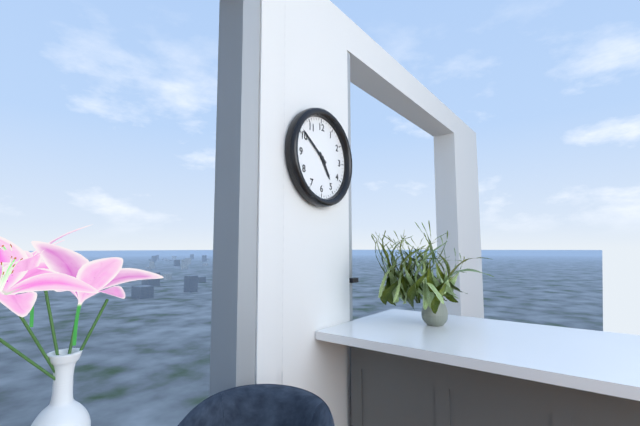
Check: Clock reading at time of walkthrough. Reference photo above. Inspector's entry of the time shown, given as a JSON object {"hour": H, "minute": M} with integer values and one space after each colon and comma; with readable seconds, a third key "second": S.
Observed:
{"hour": 4, "minute": 51}
